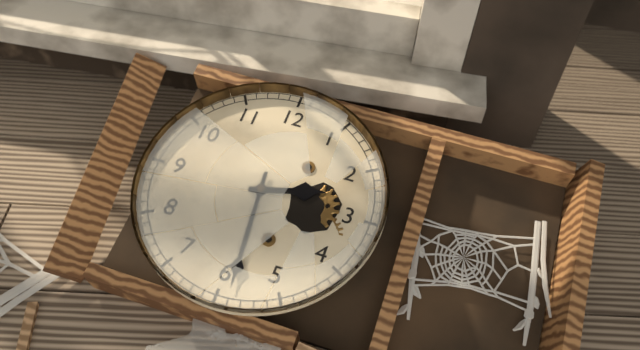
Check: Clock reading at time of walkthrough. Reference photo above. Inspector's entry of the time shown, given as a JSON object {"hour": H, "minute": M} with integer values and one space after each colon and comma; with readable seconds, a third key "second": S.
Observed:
{"hour": 2, "minute": 29}
